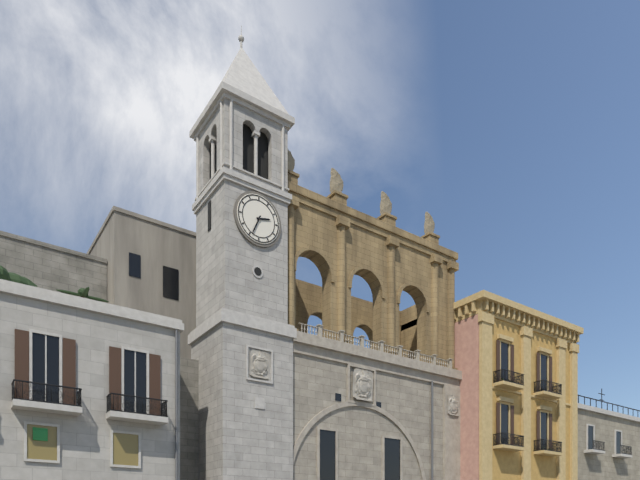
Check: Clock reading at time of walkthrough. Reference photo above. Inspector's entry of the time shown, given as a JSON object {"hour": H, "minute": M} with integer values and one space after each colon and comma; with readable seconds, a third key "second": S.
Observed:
{"hour": 2, "minute": 34}
